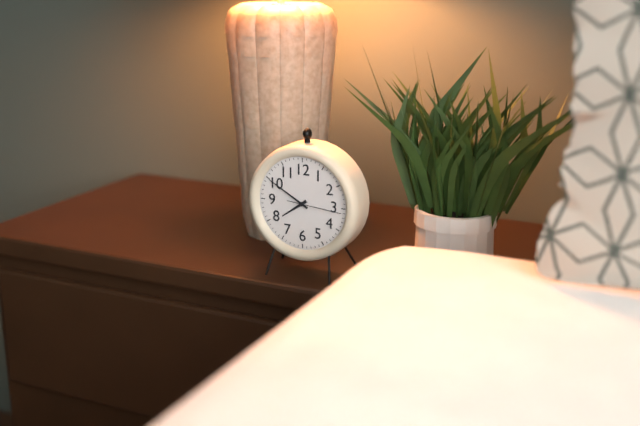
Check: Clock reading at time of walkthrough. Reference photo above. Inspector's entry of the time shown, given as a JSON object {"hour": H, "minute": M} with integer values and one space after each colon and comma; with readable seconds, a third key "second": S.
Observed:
{"hour": 7, "minute": 50}
